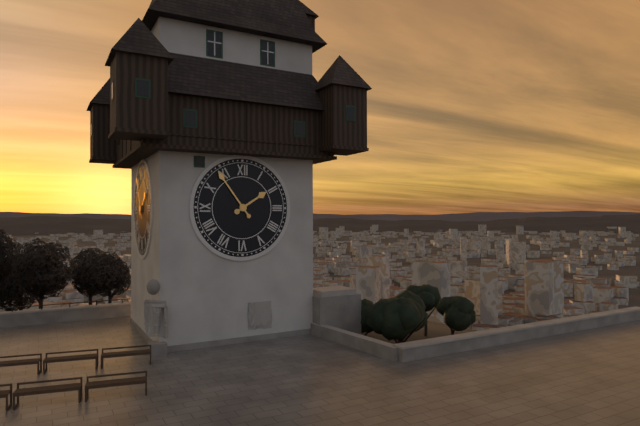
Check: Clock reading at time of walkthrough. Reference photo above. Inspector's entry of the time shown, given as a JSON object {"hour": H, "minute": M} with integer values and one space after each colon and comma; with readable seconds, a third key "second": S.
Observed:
{"hour": 1, "minute": 54}
